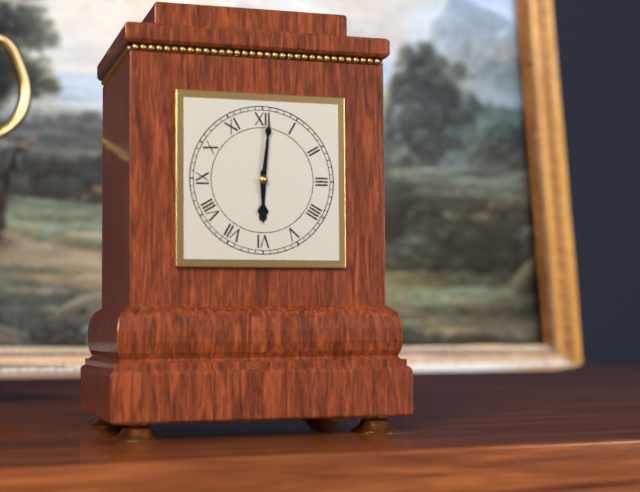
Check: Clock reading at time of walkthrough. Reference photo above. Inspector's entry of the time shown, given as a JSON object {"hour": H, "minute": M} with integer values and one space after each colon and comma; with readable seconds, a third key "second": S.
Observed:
{"hour": 6, "minute": 1}
